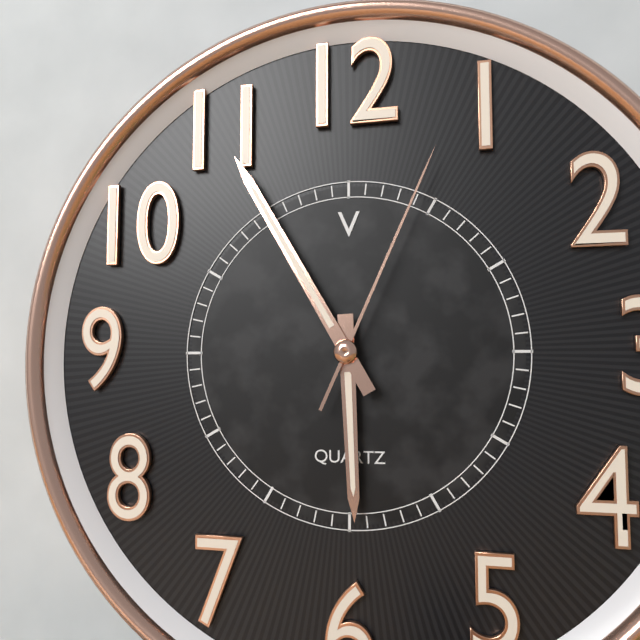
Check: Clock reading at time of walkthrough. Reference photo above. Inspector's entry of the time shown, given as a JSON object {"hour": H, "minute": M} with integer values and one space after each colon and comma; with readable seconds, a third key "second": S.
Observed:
{"hour": 5, "minute": 55, "second": 4}
